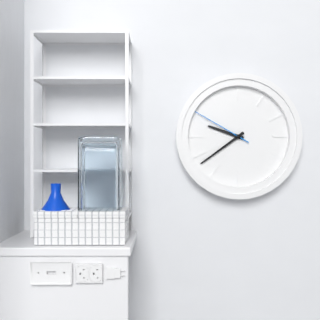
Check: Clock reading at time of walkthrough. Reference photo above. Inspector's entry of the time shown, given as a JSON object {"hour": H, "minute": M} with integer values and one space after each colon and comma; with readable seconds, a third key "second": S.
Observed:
{"hour": 9, "minute": 39, "second": 50}
